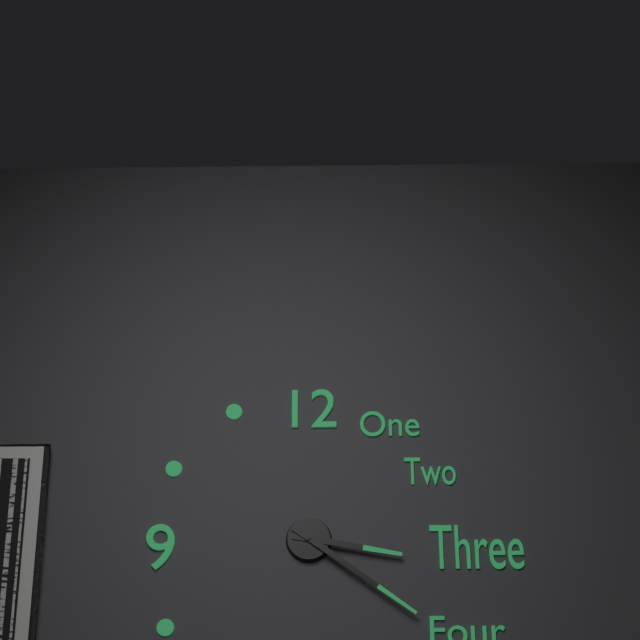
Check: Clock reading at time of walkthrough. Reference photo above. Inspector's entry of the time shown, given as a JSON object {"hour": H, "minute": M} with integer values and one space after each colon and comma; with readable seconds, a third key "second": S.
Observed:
{"hour": 3, "minute": 21}
